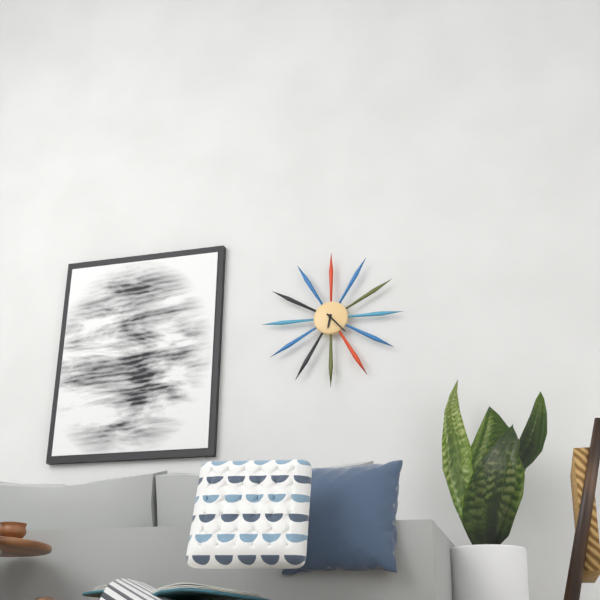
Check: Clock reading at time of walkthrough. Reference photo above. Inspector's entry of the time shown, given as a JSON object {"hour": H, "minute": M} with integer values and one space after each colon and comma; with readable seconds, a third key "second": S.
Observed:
{"hour": 6, "minute": 23}
